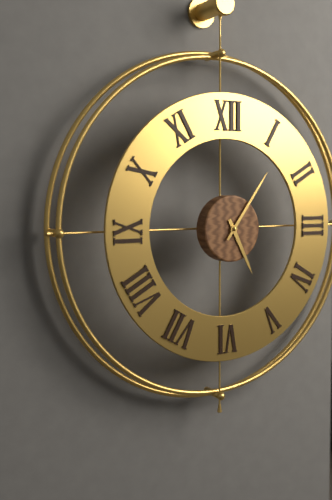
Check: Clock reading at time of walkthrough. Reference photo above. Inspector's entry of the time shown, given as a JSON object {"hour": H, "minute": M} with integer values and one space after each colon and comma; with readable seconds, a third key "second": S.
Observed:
{"hour": 5, "minute": 6}
